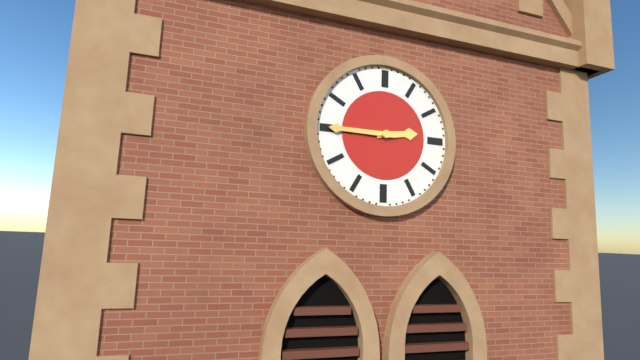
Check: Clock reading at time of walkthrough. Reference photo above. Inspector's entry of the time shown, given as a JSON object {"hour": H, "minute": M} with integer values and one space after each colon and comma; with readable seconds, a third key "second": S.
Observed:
{"hour": 2, "minute": 45}
